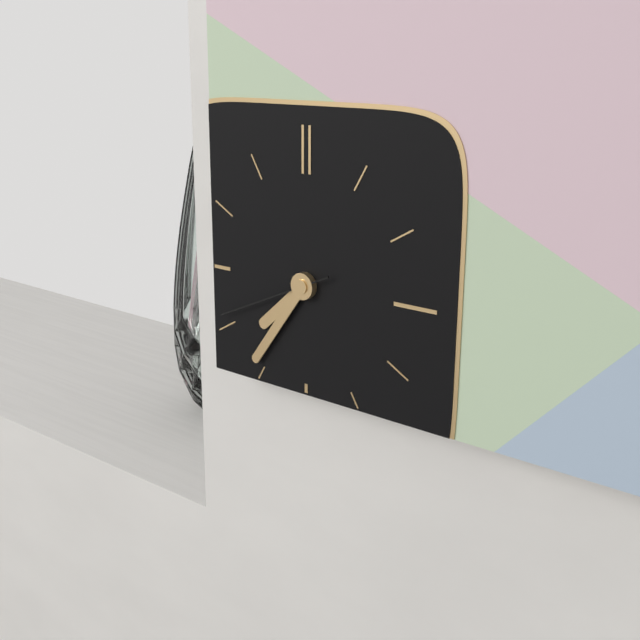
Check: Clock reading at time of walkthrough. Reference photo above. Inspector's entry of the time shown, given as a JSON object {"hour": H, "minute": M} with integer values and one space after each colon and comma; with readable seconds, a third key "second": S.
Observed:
{"hour": 7, "minute": 36, "second": 41}
